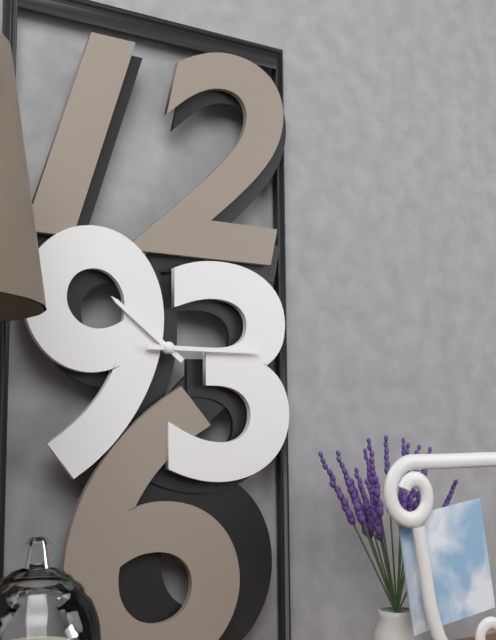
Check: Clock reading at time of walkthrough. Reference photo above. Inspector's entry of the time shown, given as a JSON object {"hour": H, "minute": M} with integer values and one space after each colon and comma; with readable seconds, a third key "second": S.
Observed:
{"hour": 10, "minute": 15}
